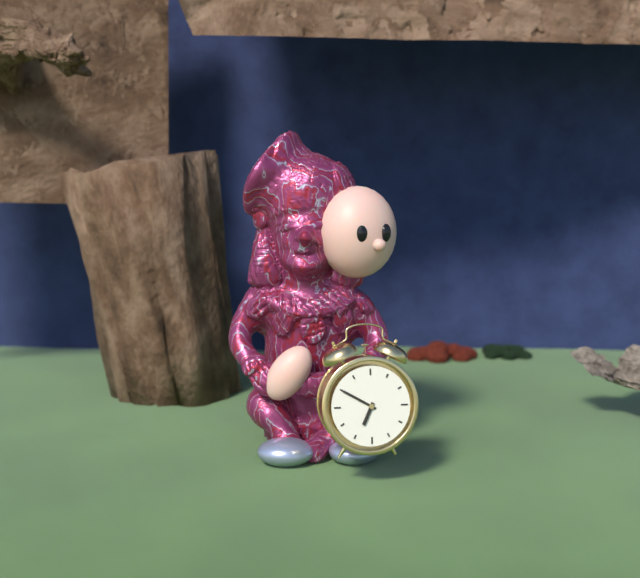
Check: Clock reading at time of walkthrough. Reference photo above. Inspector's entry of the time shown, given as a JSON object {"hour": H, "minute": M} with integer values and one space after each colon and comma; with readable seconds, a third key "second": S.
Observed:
{"hour": 6, "minute": 50}
